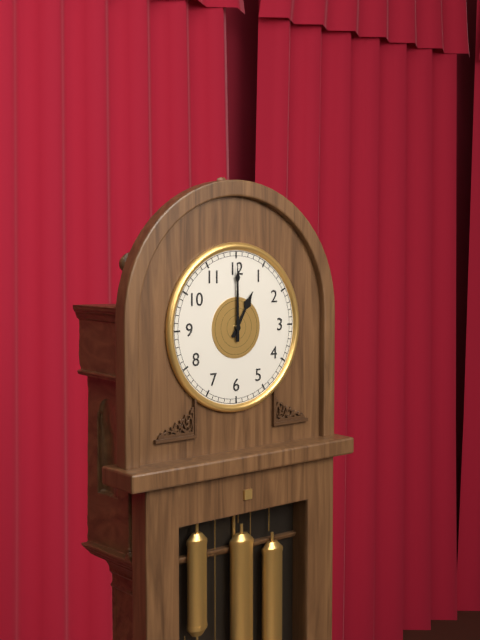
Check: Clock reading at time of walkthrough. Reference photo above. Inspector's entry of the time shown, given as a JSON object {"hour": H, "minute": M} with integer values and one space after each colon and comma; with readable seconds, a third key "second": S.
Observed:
{"hour": 1, "minute": 0}
